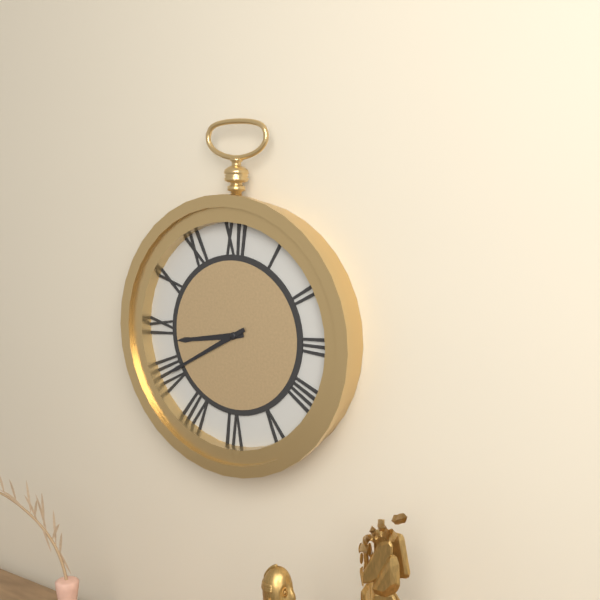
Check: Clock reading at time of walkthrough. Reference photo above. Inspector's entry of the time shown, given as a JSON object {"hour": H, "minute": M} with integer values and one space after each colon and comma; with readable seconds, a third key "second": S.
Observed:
{"hour": 8, "minute": 40}
